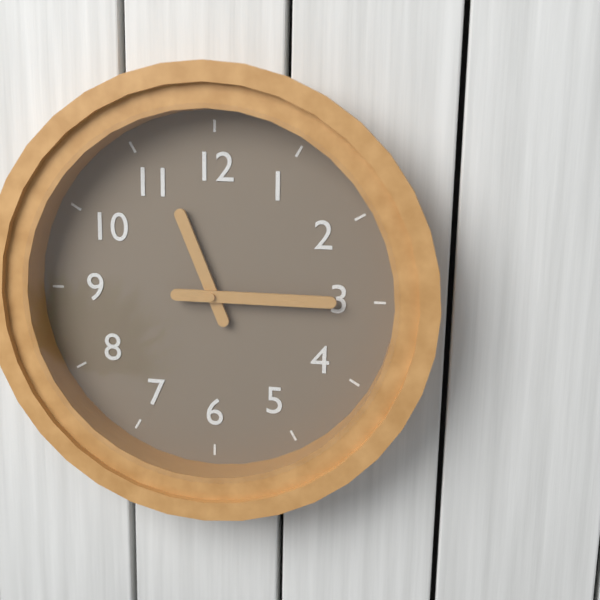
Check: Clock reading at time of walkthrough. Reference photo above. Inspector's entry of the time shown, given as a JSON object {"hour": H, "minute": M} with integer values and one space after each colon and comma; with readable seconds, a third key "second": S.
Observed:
{"hour": 11, "minute": 15}
